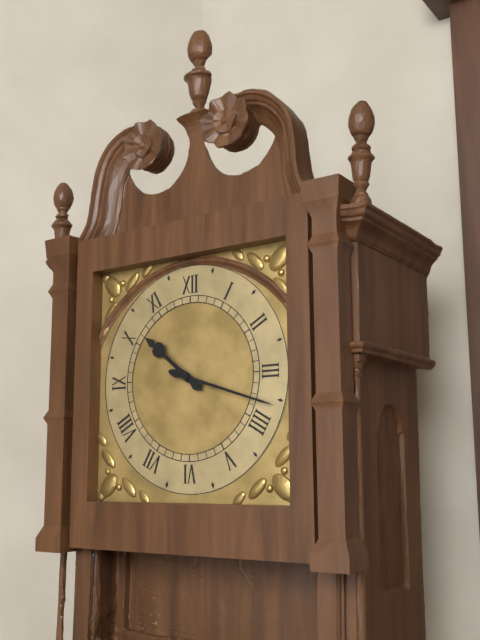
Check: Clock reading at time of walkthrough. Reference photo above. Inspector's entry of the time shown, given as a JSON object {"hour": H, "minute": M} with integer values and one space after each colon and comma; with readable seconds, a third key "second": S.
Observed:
{"hour": 10, "minute": 18}
